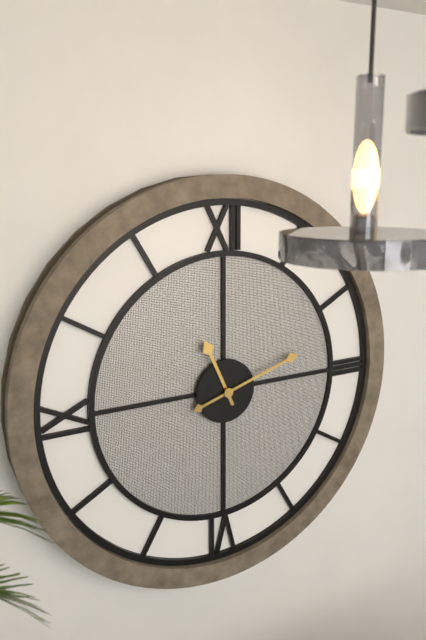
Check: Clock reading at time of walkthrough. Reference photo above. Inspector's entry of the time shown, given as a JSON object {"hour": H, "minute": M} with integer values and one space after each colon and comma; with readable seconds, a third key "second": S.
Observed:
{"hour": 11, "minute": 12}
